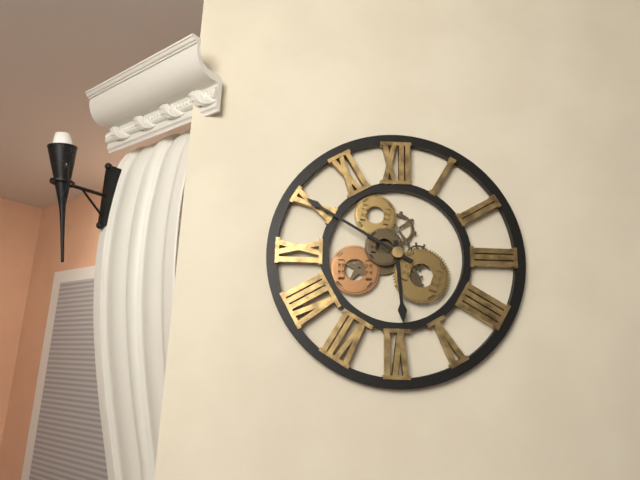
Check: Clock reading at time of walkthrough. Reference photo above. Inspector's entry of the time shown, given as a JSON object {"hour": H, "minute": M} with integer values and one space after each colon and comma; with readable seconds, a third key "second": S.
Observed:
{"hour": 5, "minute": 50}
